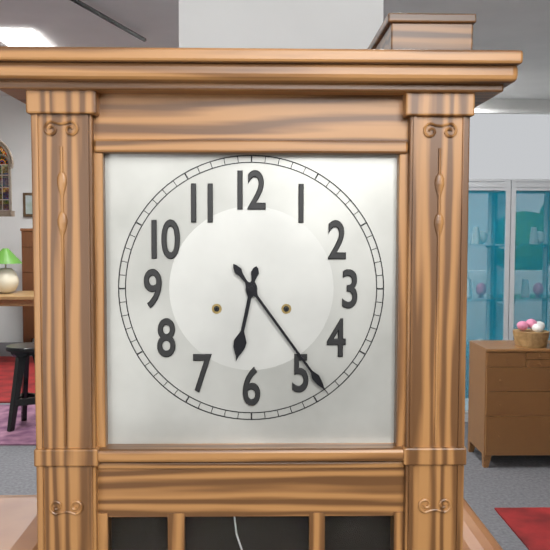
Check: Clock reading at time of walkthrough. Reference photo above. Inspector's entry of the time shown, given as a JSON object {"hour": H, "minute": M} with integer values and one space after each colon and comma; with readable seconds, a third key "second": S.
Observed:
{"hour": 6, "minute": 24}
